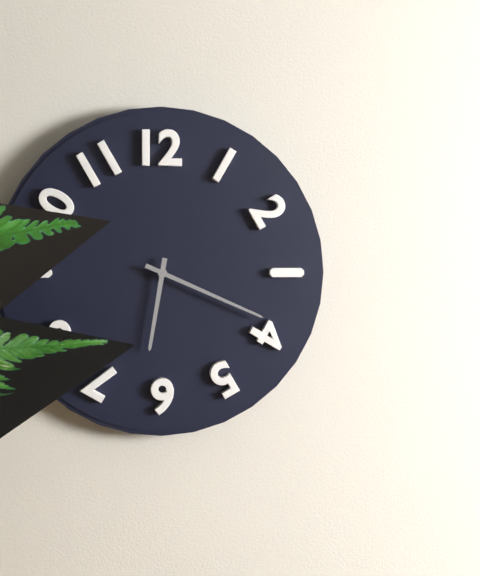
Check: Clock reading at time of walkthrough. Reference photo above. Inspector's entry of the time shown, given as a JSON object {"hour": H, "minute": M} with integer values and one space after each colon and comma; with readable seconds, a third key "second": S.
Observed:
{"hour": 6, "minute": 19}
